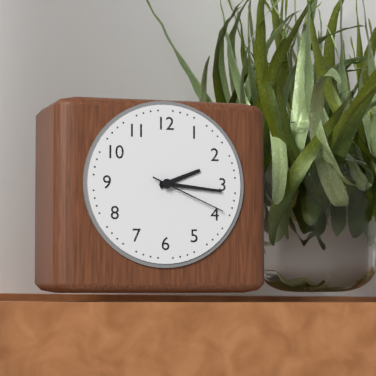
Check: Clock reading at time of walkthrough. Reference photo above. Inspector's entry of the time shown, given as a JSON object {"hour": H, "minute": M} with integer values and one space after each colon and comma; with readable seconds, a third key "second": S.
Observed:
{"hour": 2, "minute": 16, "second": 19}
